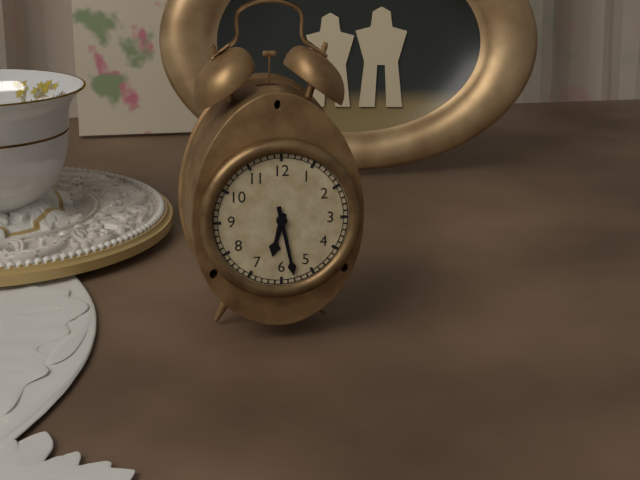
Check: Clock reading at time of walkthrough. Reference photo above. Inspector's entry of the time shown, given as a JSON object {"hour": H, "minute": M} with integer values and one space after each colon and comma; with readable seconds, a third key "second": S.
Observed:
{"hour": 6, "minute": 28}
